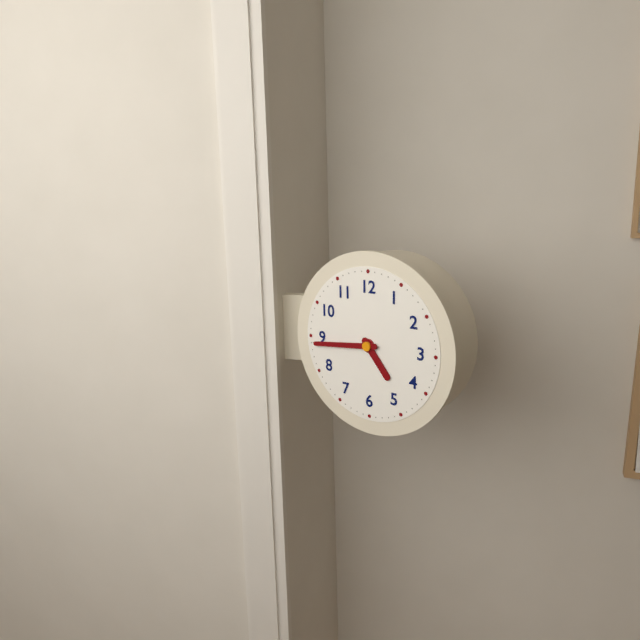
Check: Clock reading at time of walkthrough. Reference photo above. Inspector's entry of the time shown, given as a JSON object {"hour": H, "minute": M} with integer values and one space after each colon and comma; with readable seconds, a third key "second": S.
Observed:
{"hour": 4, "minute": 44}
